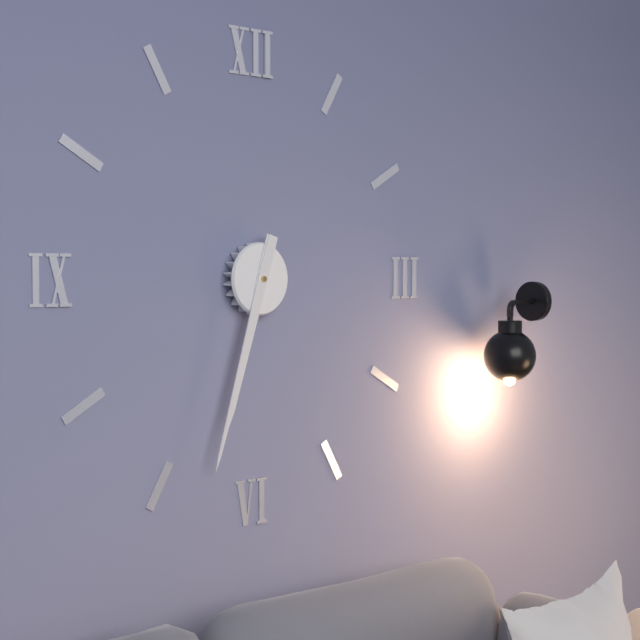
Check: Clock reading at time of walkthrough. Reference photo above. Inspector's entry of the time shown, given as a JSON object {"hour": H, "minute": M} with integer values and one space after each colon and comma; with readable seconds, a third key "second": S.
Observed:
{"hour": 6, "minute": 33}
